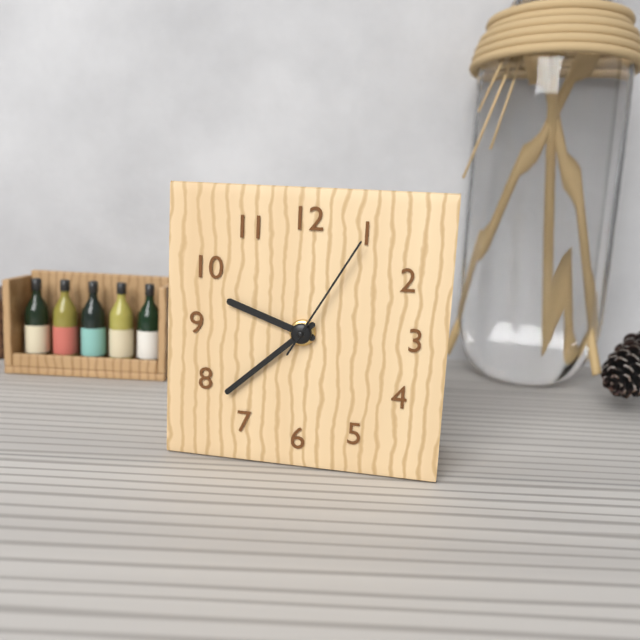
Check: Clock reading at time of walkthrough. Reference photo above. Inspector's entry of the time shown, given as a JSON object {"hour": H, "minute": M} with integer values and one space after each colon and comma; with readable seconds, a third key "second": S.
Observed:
{"hour": 9, "minute": 38, "second": 5}
